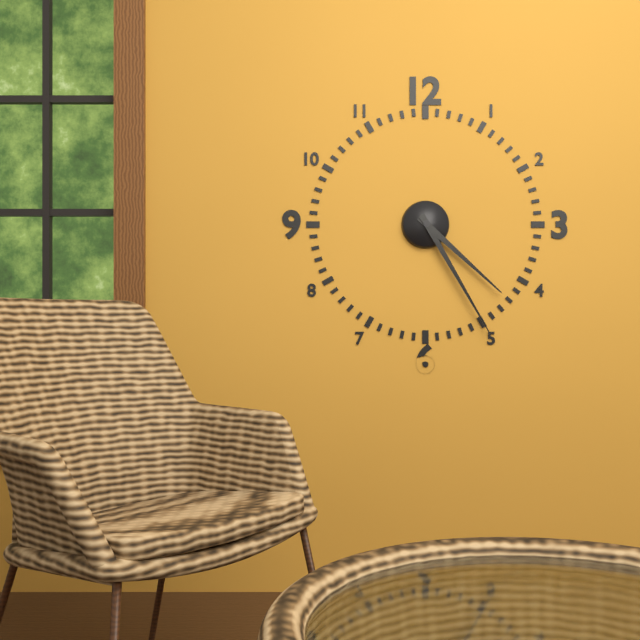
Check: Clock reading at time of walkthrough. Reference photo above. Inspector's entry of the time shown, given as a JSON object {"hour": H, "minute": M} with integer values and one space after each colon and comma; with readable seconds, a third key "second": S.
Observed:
{"hour": 4, "minute": 25}
